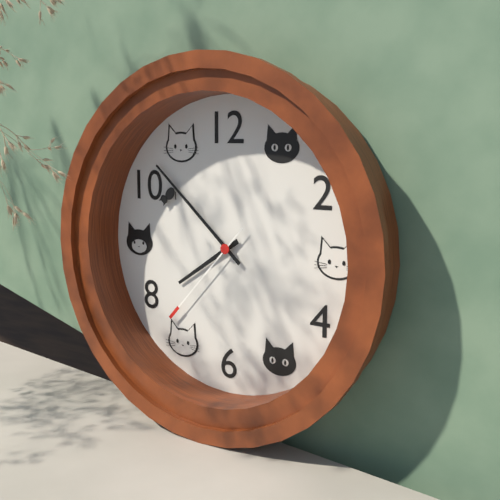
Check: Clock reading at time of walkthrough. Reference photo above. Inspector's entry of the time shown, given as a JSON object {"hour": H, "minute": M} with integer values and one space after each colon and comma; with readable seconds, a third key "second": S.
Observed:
{"hour": 7, "minute": 52, "second": 37}
